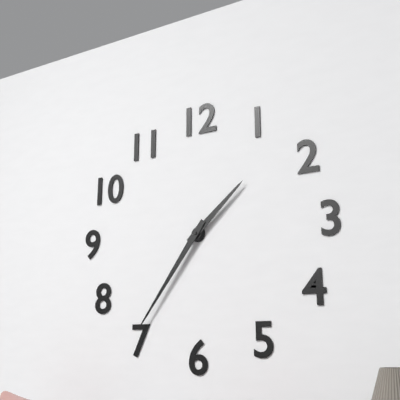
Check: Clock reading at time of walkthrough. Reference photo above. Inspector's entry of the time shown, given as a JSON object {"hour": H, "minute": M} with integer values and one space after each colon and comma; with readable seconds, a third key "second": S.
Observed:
{"hour": 1, "minute": 36}
